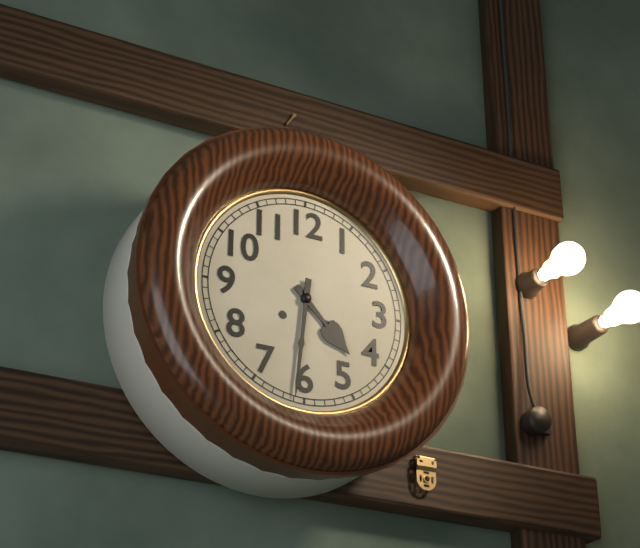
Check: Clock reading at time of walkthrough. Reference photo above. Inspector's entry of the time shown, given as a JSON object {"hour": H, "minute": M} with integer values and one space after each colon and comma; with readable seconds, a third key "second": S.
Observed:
{"hour": 4, "minute": 31}
